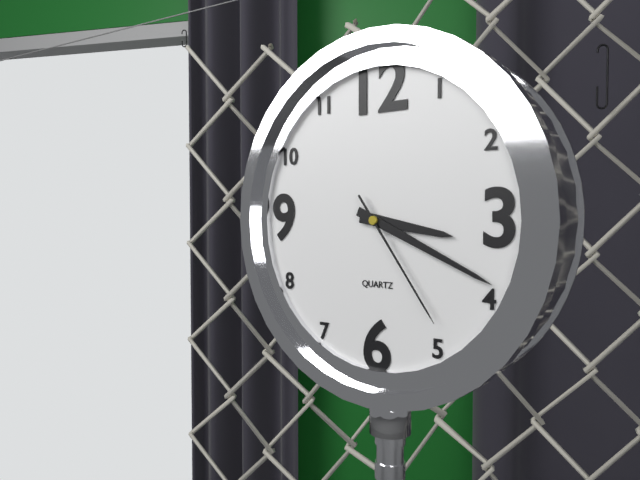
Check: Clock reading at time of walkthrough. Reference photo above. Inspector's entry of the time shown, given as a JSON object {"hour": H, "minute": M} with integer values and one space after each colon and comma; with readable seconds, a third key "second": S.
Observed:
{"hour": 3, "minute": 19, "second": 24}
